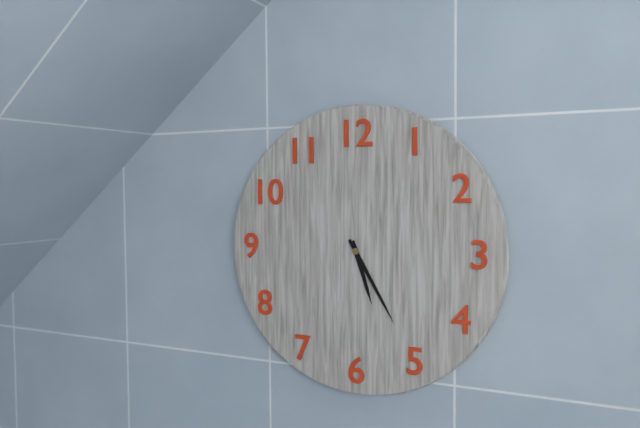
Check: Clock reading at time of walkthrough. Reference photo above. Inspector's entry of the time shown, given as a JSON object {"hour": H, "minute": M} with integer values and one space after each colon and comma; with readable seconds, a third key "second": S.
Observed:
{"hour": 5, "minute": 25}
